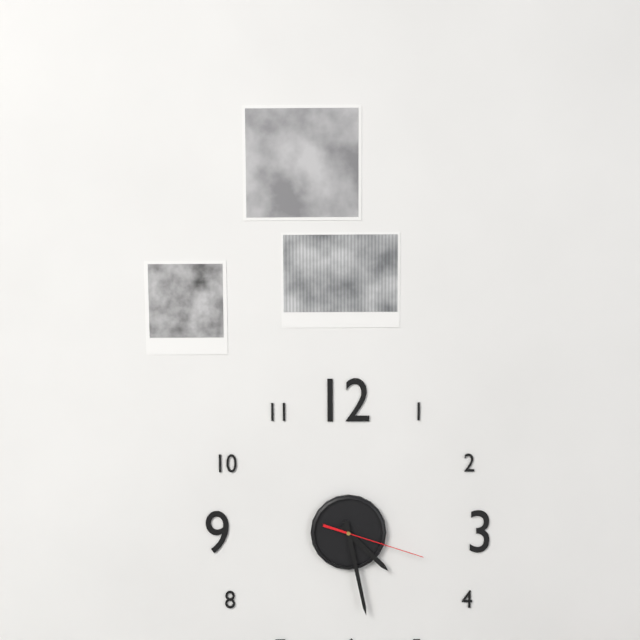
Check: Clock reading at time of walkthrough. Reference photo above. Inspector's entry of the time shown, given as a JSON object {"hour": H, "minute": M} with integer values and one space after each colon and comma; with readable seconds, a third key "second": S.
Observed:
{"hour": 4, "minute": 28, "second": 18}
